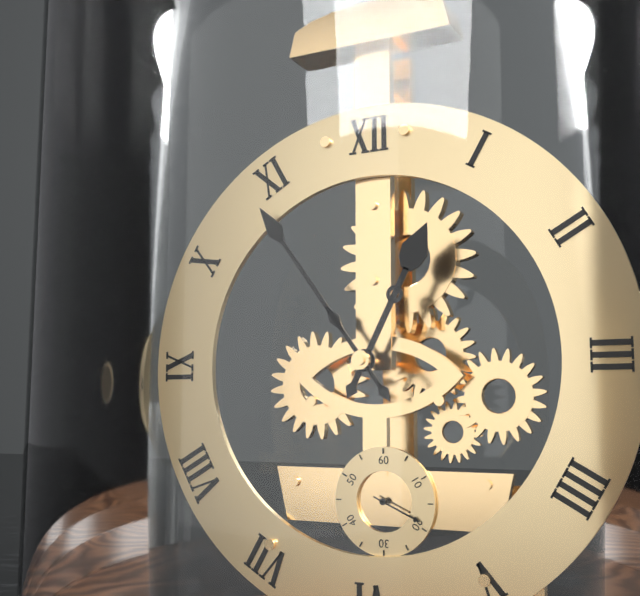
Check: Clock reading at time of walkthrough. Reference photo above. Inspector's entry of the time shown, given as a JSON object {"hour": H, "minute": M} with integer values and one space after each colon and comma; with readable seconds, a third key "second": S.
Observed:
{"hour": 12, "minute": 54, "second": 19}
